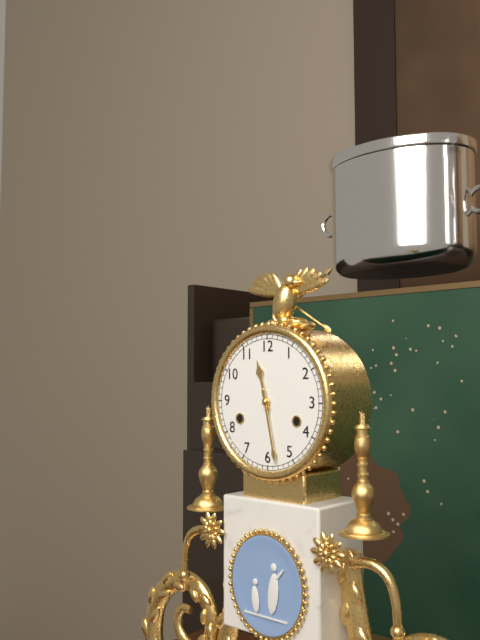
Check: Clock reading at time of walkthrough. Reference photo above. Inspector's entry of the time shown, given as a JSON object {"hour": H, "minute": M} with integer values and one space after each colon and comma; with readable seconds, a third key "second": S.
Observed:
{"hour": 11, "minute": 28}
